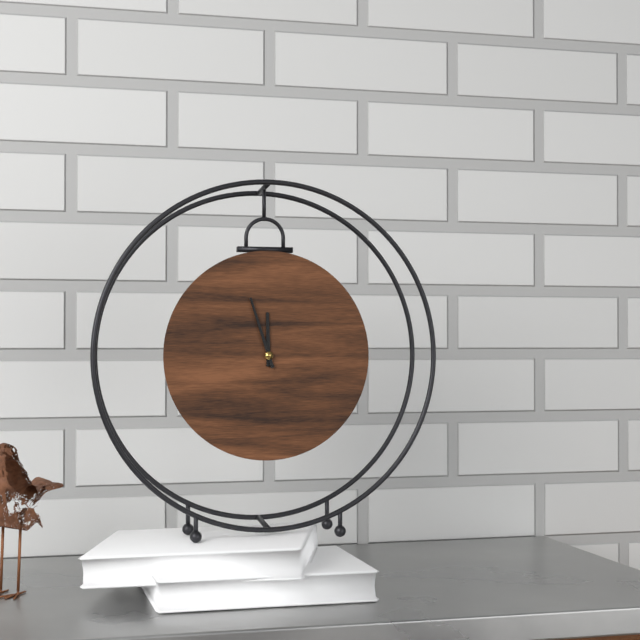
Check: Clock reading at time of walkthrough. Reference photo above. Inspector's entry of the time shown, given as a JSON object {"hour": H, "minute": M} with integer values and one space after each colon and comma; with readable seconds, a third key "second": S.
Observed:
{"hour": 11, "minute": 57}
